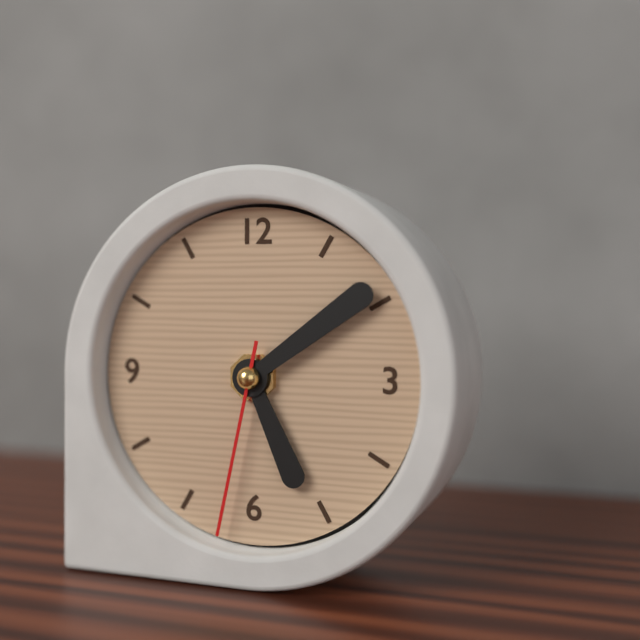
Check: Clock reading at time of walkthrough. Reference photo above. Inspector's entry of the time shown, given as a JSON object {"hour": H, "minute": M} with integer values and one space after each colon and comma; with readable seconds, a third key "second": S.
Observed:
{"hour": 5, "minute": 9, "second": 32}
